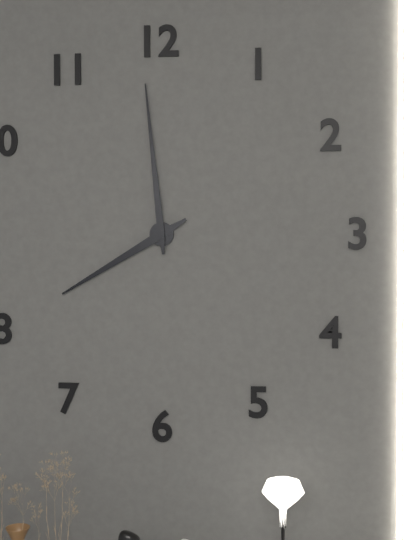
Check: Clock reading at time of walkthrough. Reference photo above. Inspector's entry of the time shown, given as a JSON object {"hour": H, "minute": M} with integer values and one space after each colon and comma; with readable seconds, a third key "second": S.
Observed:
{"hour": 7, "minute": 59}
